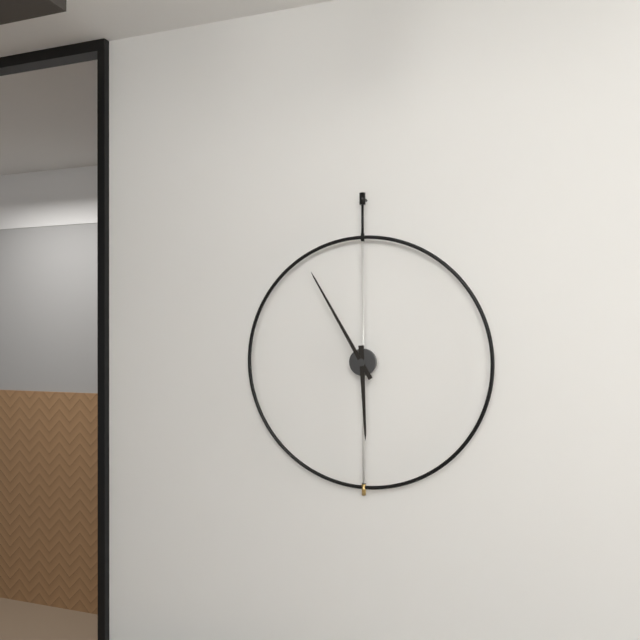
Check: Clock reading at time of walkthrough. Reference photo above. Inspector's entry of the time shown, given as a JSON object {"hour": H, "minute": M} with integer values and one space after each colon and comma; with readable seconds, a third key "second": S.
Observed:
{"hour": 5, "minute": 55}
